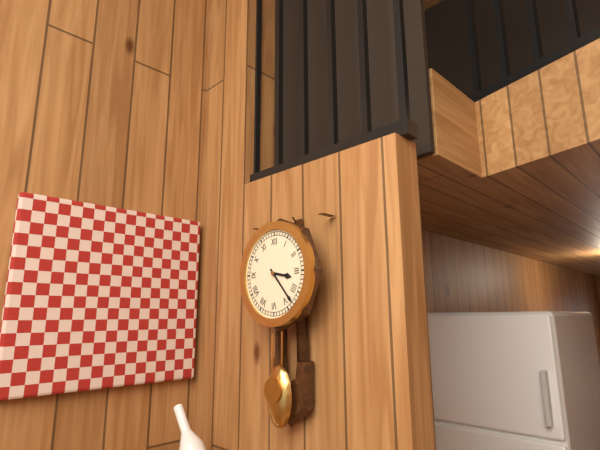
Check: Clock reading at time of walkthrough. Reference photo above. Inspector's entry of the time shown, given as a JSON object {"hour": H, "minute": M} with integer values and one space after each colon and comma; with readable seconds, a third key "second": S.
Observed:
{"hour": 3, "minute": 23}
